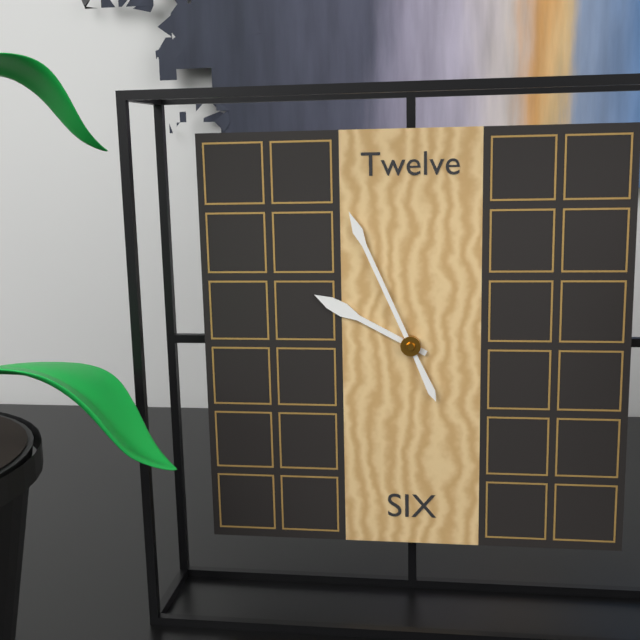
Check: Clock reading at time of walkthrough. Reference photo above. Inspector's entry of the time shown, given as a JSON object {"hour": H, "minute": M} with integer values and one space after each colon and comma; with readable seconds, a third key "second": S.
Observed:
{"hour": 9, "minute": 56}
